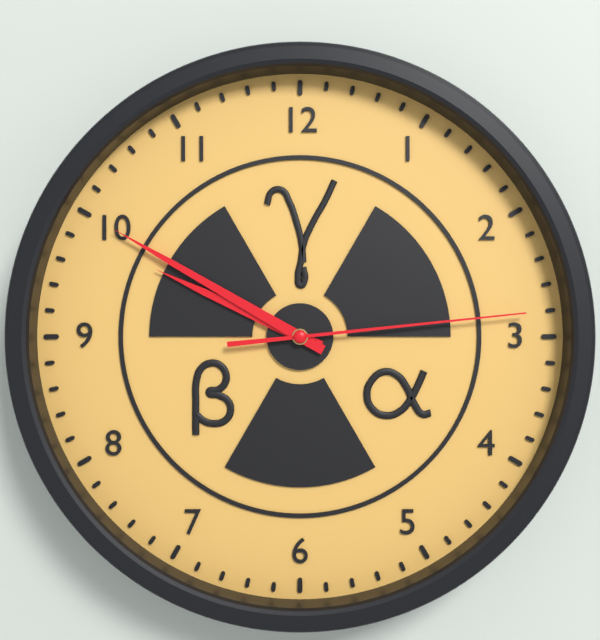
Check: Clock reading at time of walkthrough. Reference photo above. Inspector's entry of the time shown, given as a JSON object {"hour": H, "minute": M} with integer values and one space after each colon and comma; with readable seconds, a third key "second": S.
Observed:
{"hour": 9, "minute": 50, "second": 14}
